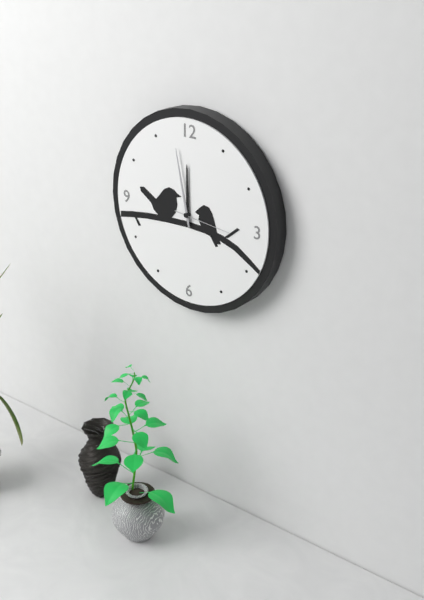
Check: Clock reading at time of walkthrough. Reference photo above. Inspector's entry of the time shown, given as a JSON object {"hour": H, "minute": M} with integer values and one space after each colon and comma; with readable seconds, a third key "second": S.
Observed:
{"hour": 11, "minute": 58, "second": 16}
